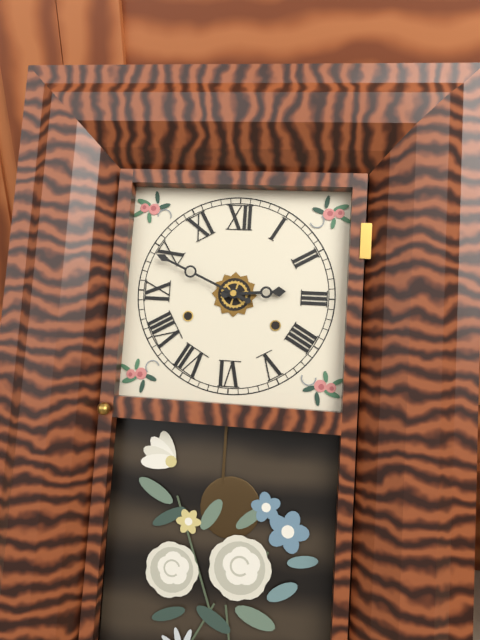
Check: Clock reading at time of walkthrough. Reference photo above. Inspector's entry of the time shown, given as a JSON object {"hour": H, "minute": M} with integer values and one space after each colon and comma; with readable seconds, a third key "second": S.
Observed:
{"hour": 2, "minute": 49}
